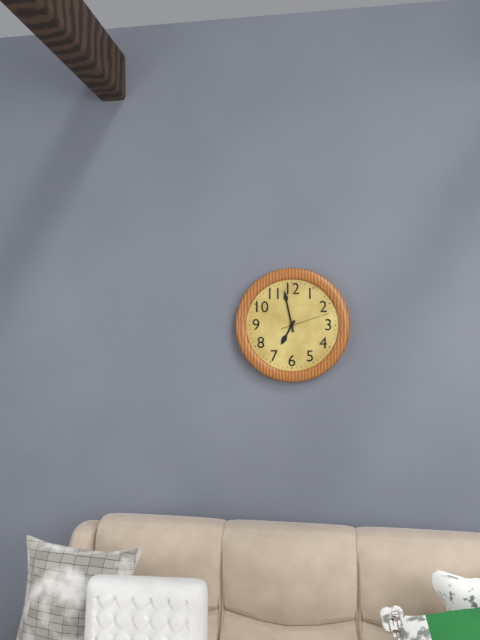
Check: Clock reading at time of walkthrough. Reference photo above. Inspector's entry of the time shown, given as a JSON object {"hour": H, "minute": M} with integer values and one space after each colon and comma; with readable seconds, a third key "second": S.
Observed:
{"hour": 6, "minute": 58, "second": 12}
